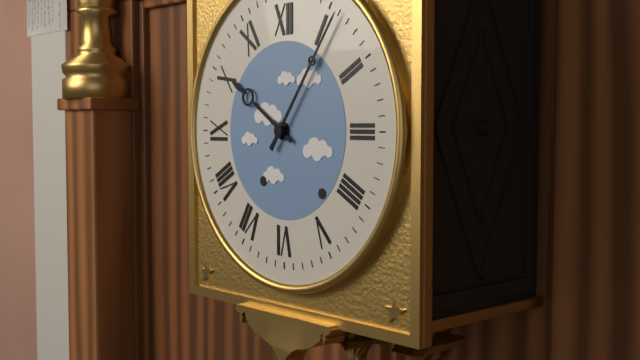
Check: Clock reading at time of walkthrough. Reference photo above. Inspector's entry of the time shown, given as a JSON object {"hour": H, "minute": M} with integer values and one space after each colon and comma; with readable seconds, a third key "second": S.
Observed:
{"hour": 10, "minute": 6}
